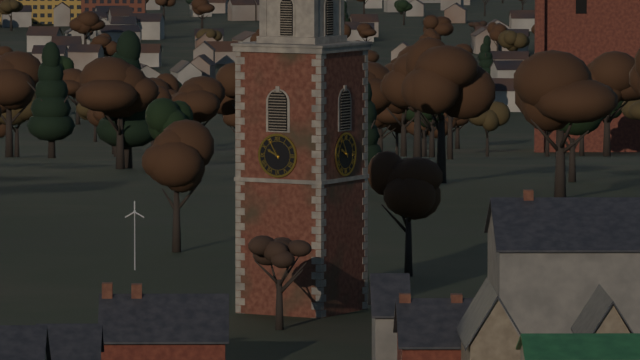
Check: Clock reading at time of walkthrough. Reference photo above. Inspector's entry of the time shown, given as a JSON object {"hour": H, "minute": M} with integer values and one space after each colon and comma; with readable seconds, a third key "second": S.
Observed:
{"hour": 9, "minute": 55}
